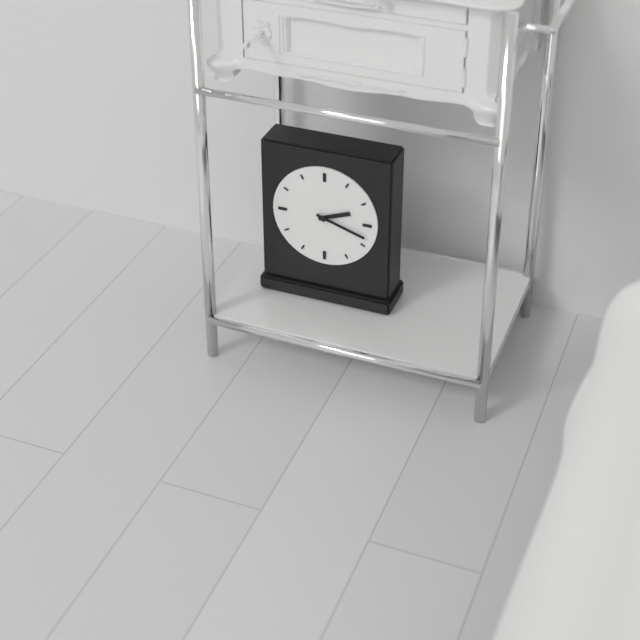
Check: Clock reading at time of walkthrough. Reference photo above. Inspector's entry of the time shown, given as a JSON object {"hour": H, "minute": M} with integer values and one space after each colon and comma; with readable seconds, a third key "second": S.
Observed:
{"hour": 2, "minute": 18}
